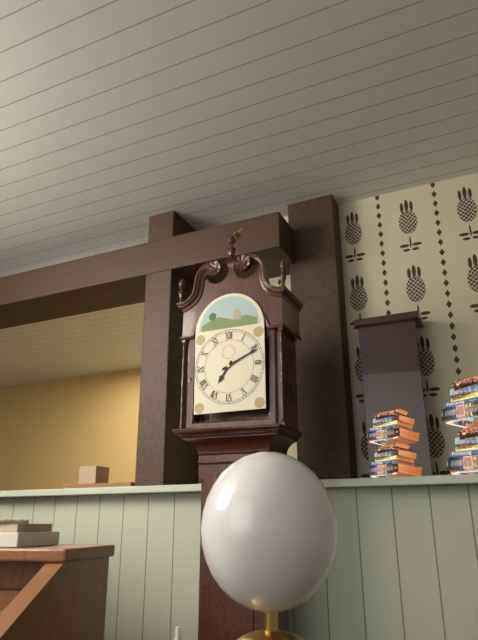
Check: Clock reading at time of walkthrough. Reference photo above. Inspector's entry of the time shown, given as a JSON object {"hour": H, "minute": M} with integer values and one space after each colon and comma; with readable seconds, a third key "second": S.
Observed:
{"hour": 7, "minute": 11}
